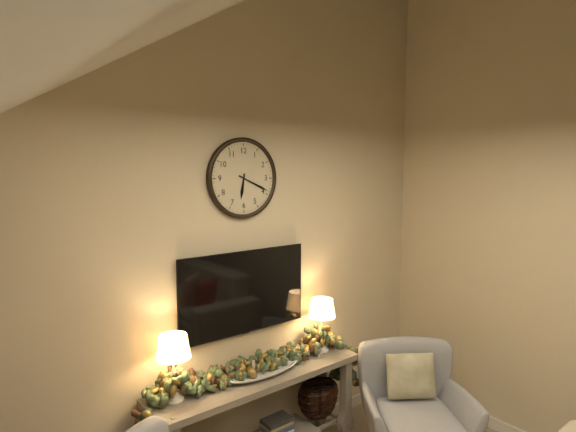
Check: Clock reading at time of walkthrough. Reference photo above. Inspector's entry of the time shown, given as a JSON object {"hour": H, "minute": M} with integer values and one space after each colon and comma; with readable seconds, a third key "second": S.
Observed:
{"hour": 6, "minute": 19}
